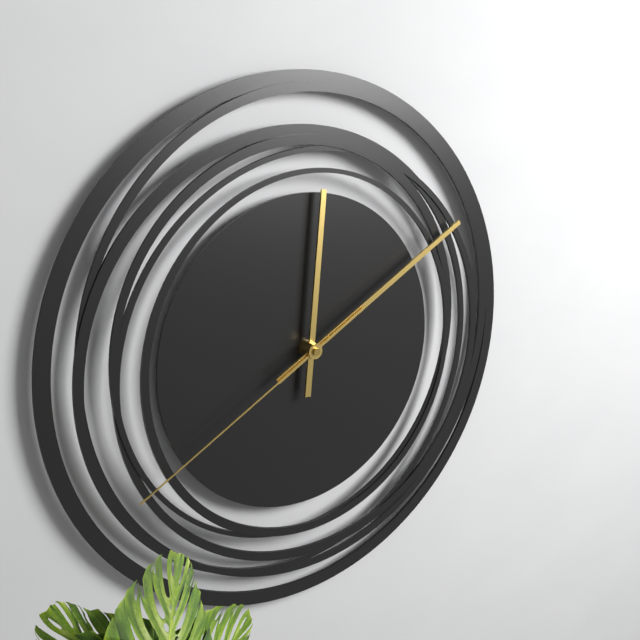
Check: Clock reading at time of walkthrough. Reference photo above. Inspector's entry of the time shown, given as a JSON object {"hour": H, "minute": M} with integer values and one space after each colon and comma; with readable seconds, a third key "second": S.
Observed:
{"hour": 12, "minute": 10, "second": 40}
